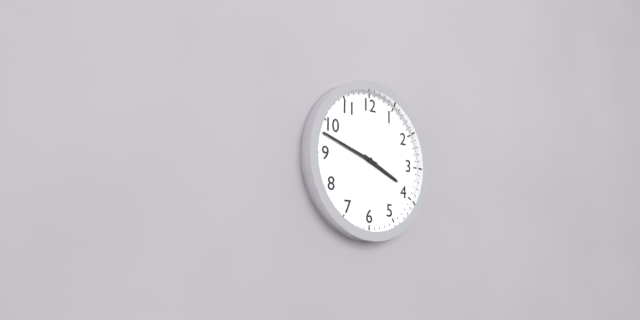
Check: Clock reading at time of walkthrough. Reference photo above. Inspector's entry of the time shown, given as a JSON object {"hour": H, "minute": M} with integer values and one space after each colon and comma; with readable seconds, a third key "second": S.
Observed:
{"hour": 3, "minute": 48}
